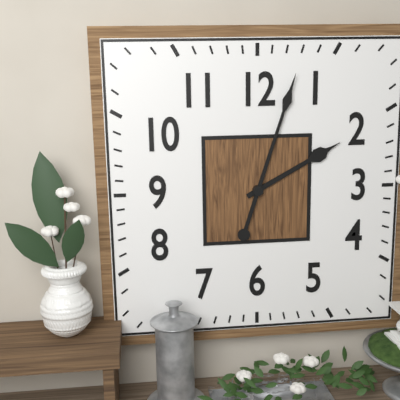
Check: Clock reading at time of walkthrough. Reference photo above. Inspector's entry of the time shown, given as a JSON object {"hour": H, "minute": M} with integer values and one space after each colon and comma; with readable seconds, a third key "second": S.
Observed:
{"hour": 2, "minute": 3}
